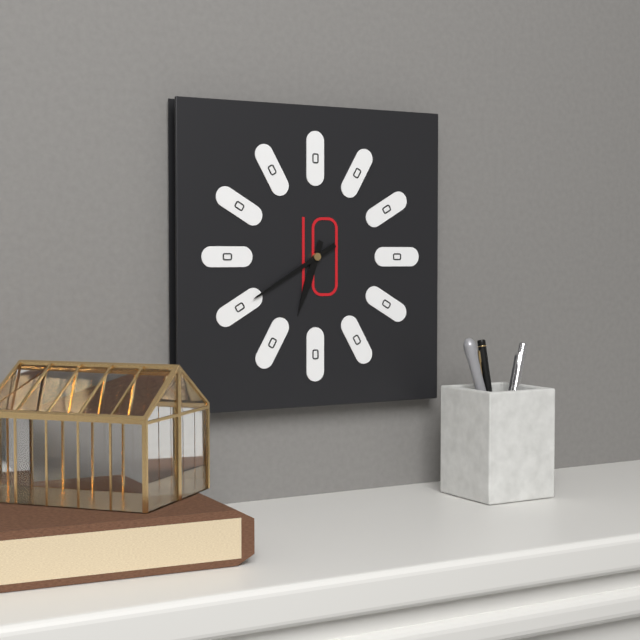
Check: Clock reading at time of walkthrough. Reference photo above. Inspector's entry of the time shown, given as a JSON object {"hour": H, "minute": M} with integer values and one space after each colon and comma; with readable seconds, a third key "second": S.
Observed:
{"hour": 6, "minute": 40}
